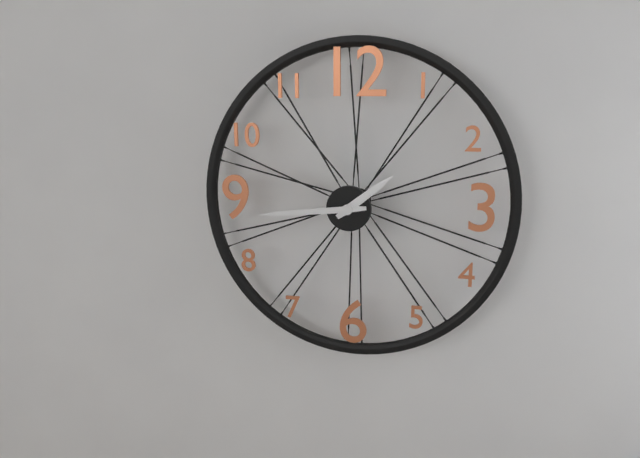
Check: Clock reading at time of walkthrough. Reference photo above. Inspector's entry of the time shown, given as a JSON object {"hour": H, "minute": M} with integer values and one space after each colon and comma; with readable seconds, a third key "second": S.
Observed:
{"hour": 1, "minute": 44}
